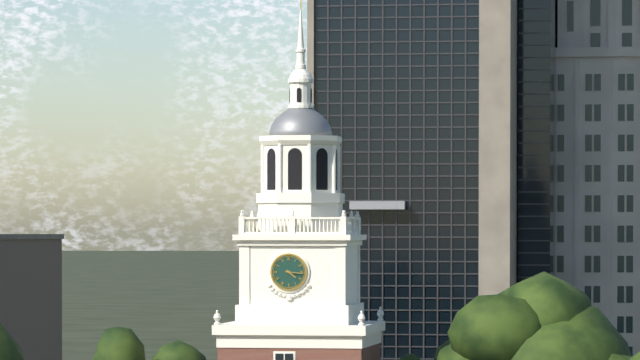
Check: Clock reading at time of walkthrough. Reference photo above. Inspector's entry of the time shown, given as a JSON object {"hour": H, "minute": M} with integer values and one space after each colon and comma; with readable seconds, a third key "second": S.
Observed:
{"hour": 4, "minute": 16}
